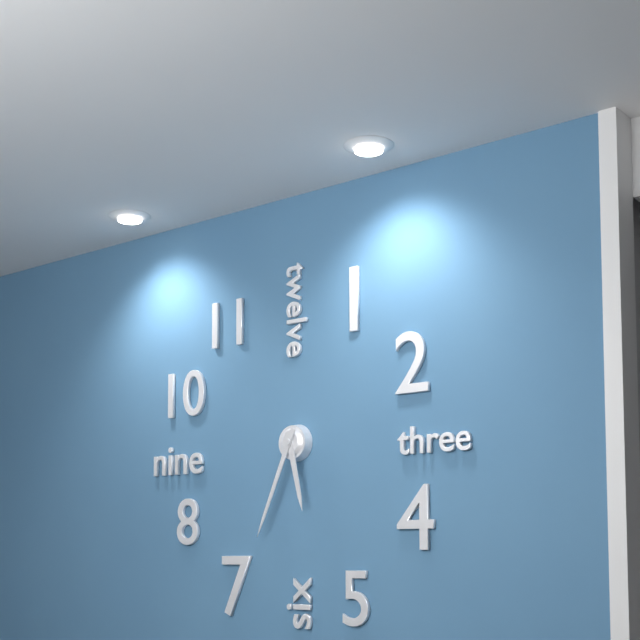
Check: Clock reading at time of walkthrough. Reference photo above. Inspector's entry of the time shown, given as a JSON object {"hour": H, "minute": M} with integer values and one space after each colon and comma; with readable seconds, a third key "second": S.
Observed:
{"hour": 5, "minute": 34}
